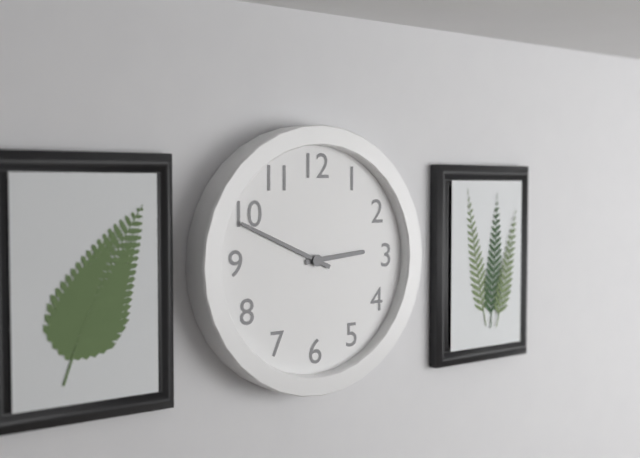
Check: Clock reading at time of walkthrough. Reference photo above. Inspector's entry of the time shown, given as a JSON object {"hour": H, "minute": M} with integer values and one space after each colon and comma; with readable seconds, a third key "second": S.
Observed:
{"hour": 2, "minute": 49}
